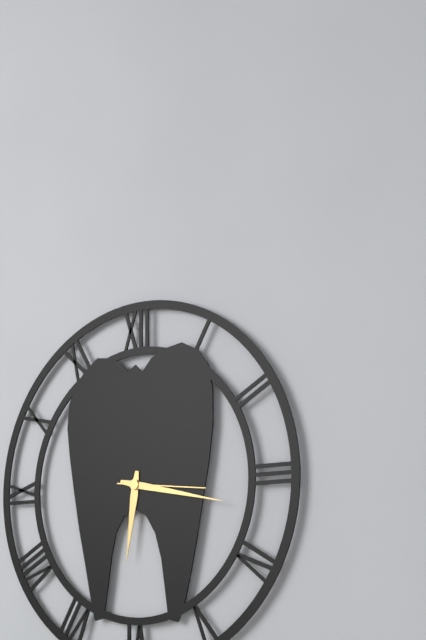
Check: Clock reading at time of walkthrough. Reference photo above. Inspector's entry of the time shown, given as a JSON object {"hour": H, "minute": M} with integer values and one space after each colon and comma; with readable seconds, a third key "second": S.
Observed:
{"hour": 6, "minute": 17, "second": 16}
